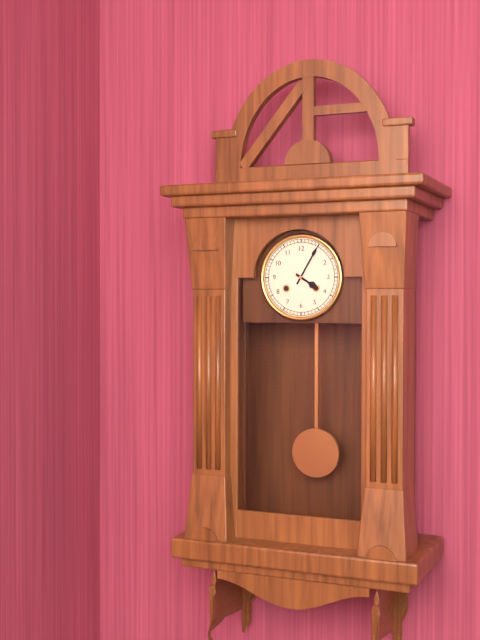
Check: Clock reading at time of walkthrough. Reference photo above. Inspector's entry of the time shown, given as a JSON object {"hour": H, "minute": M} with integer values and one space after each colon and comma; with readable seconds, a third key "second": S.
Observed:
{"hour": 4, "minute": 5}
